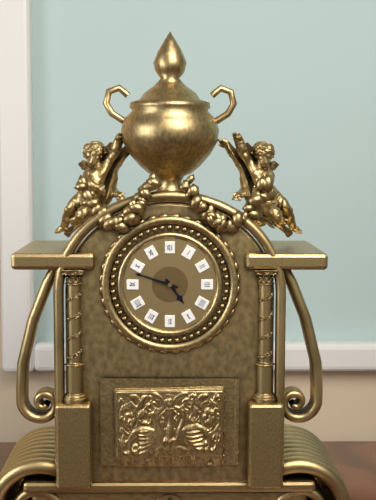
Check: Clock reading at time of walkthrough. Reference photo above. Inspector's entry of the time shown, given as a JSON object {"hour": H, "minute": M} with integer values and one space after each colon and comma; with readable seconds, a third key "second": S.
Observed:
{"hour": 4, "minute": 48}
